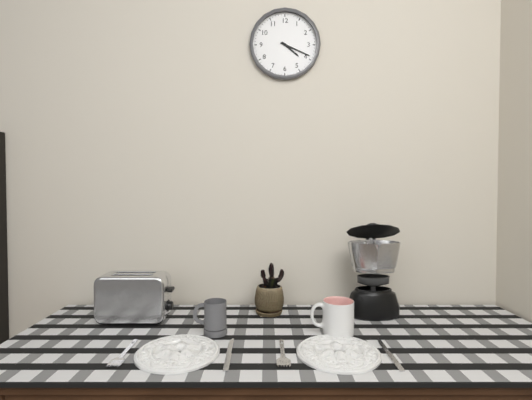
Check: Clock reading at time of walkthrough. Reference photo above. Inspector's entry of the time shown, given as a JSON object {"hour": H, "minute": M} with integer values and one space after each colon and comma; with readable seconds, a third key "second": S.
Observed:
{"hour": 4, "minute": 19}
